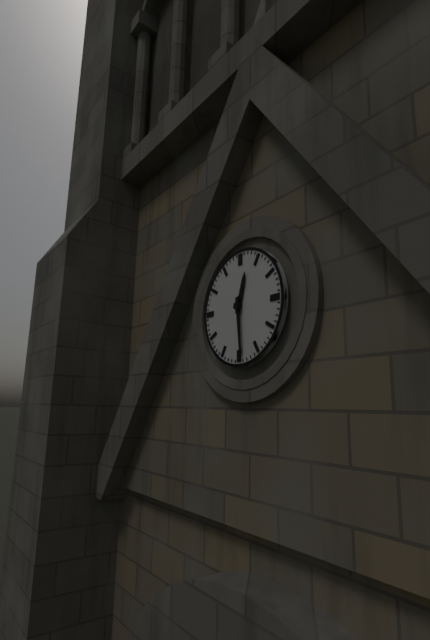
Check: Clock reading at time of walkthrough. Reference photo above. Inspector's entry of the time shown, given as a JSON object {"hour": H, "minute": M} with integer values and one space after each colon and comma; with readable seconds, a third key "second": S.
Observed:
{"hour": 12, "minute": 29}
